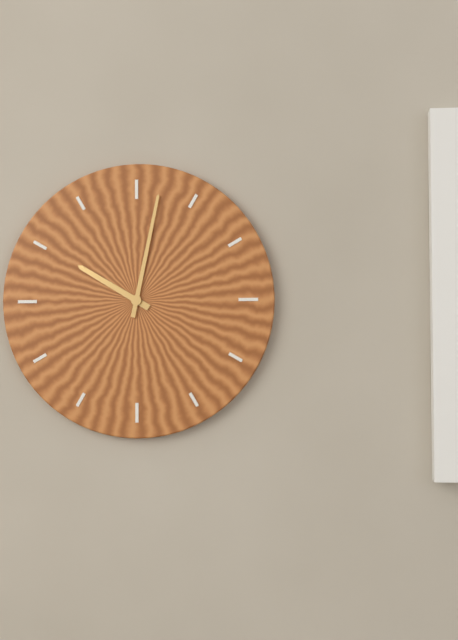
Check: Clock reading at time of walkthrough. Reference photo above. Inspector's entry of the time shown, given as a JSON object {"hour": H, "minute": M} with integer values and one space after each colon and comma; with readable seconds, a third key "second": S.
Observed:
{"hour": 10, "minute": 2}
